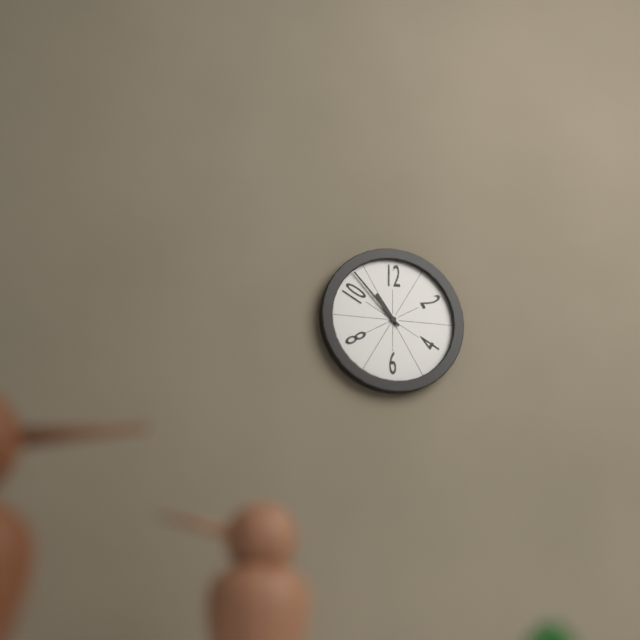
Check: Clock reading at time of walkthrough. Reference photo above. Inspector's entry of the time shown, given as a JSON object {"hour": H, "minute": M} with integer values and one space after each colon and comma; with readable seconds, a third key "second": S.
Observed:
{"hour": 10, "minute": 53}
